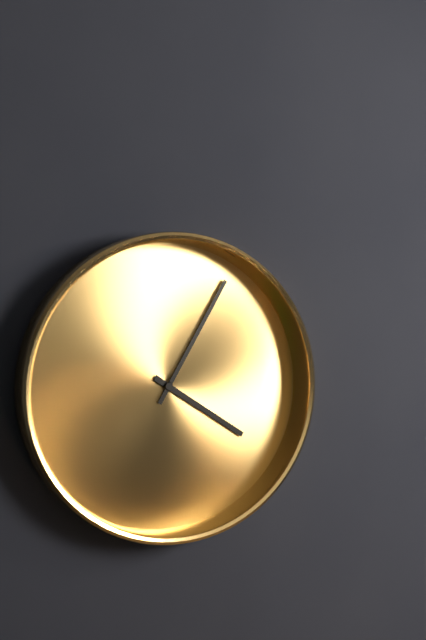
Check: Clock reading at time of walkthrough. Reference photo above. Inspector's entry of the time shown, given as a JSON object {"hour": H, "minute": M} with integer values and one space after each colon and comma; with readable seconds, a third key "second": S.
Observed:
{"hour": 4, "minute": 5}
